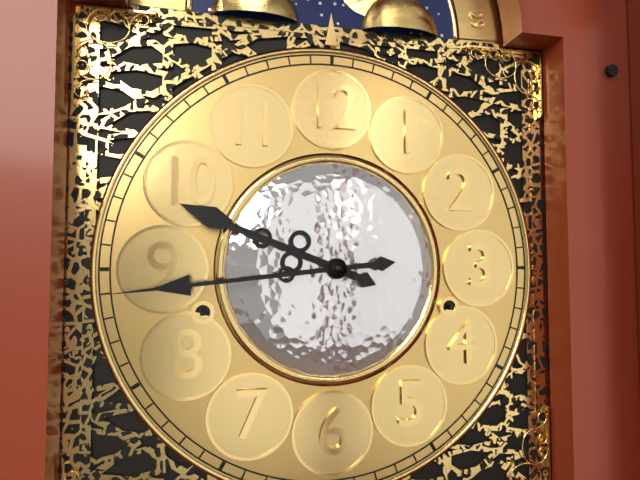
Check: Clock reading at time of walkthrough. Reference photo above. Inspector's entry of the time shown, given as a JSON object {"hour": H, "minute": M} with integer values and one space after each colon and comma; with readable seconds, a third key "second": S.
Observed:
{"hour": 9, "minute": 44}
